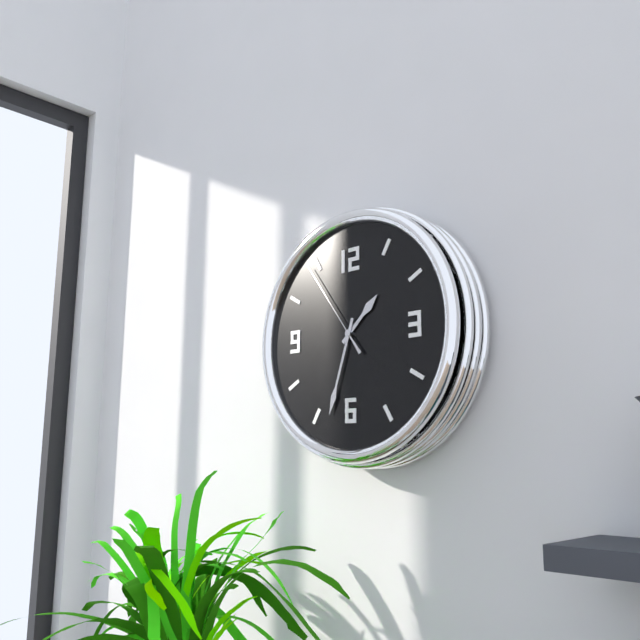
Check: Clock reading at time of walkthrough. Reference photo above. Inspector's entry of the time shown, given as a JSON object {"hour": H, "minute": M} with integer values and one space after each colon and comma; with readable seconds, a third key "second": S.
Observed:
{"hour": 1, "minute": 33, "second": 54}
